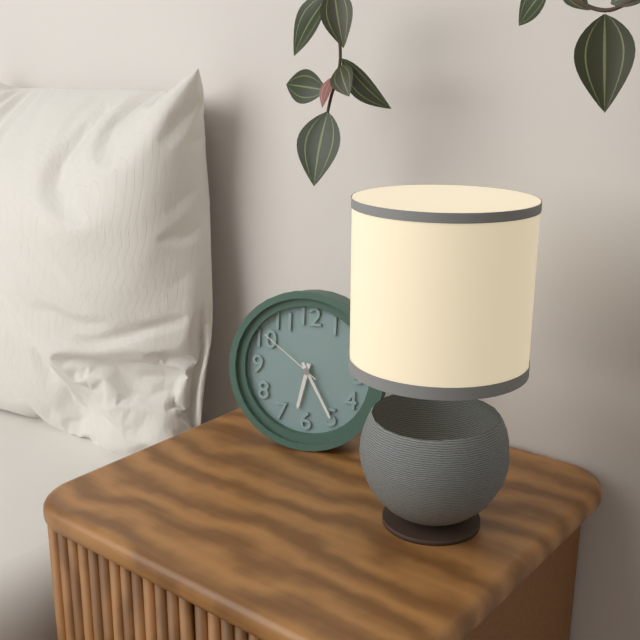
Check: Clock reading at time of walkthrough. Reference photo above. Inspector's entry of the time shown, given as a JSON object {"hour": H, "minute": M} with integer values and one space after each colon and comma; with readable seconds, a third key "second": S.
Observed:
{"hour": 6, "minute": 25, "second": 51}
